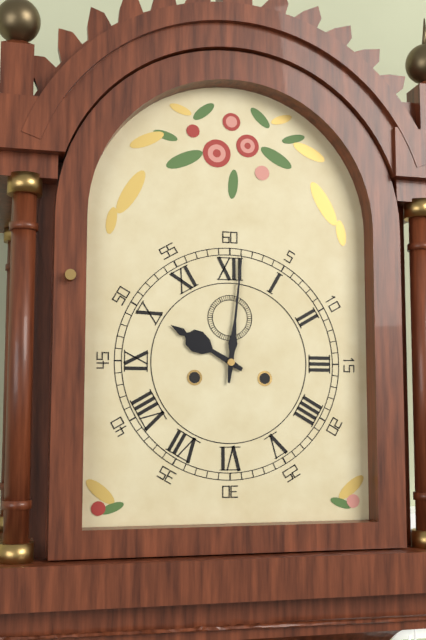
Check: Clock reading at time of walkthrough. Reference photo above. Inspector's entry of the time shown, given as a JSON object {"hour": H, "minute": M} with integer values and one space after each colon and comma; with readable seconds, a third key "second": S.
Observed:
{"hour": 10, "minute": 1}
